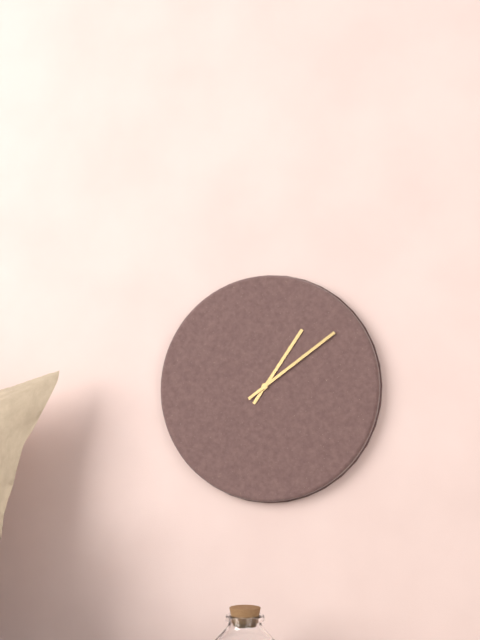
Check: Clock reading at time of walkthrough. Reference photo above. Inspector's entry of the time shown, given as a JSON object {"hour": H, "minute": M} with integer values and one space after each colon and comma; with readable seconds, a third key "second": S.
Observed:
{"hour": 1, "minute": 9}
